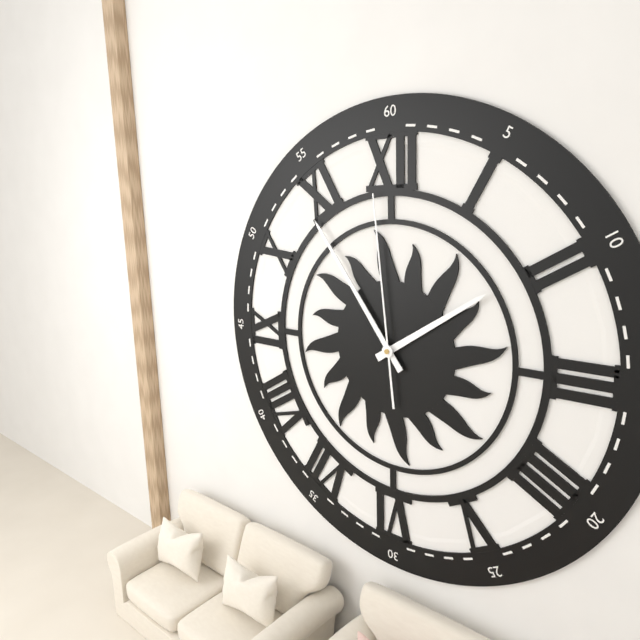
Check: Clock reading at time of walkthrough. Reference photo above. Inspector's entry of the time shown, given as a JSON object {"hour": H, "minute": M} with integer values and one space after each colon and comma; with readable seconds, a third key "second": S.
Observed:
{"hour": 1, "minute": 54, "second": 59}
